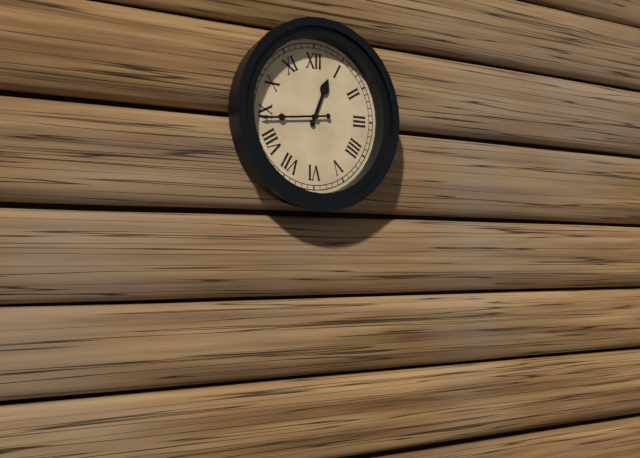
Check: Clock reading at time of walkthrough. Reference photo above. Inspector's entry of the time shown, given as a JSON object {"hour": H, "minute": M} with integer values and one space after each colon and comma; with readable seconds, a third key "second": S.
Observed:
{"hour": 12, "minute": 44}
